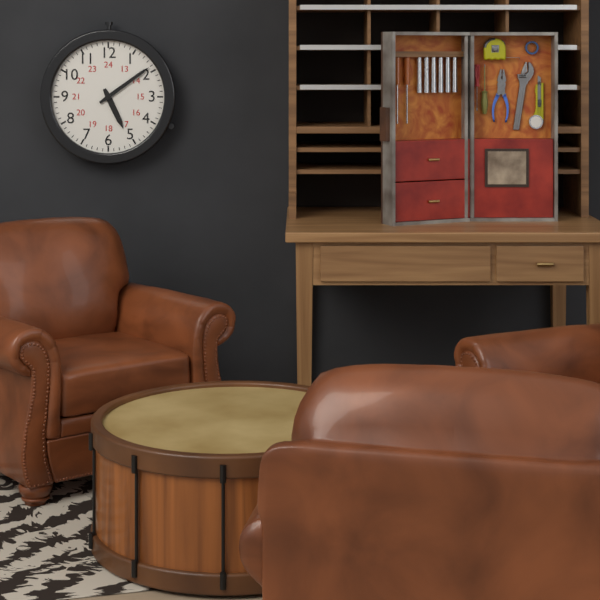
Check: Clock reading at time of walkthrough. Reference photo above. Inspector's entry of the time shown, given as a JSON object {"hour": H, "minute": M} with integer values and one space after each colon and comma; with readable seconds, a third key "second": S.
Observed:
{"hour": 5, "minute": 9}
